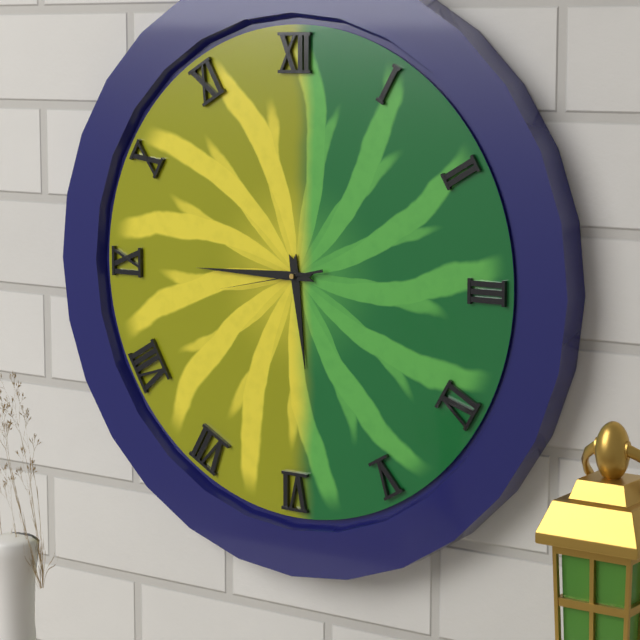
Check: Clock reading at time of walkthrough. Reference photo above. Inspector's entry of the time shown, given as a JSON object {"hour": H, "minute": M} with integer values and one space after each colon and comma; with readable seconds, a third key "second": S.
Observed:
{"hour": 5, "minute": 45, "second": 43}
